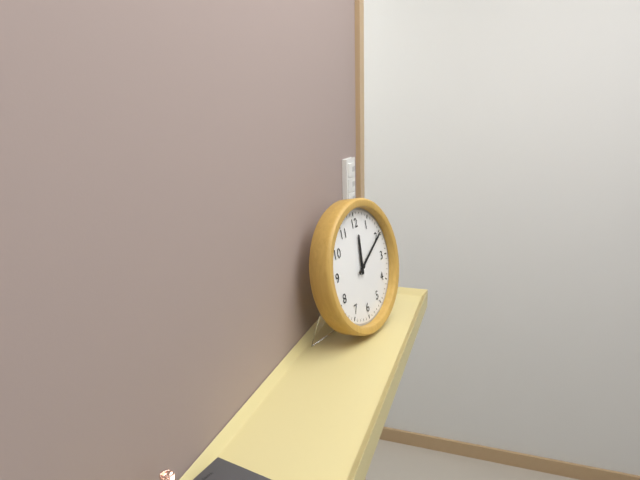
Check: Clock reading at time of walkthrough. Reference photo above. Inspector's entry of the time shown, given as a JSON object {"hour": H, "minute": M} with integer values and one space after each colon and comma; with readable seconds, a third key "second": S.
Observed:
{"hour": 12, "minute": 10}
